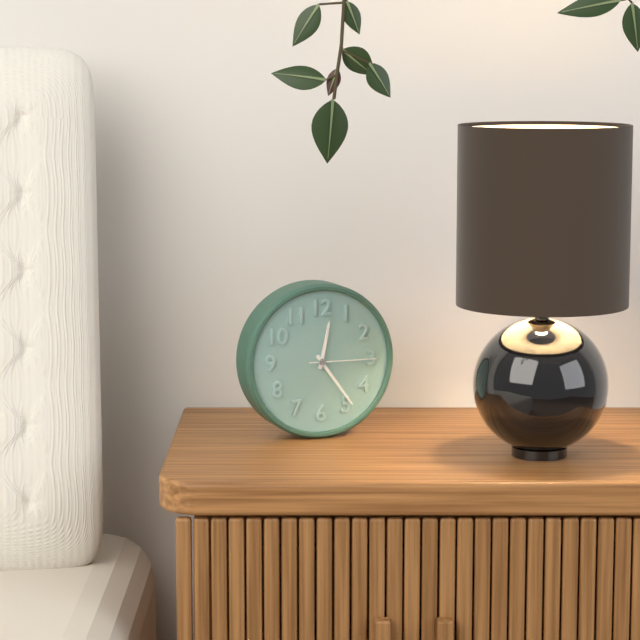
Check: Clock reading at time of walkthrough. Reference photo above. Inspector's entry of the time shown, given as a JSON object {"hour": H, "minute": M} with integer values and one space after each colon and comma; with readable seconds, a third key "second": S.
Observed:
{"hour": 12, "minute": 24, "second": 15}
